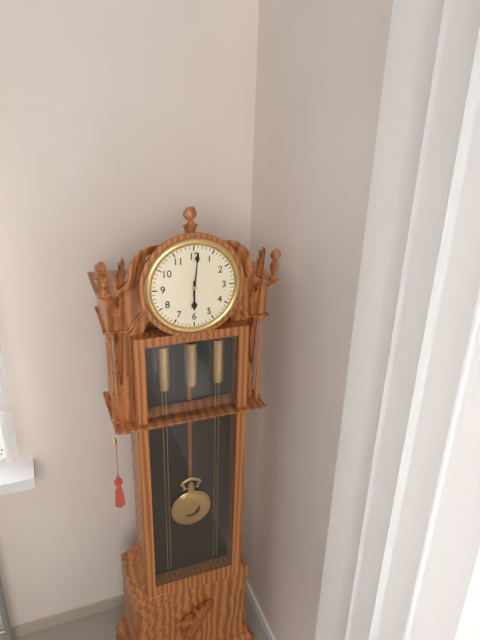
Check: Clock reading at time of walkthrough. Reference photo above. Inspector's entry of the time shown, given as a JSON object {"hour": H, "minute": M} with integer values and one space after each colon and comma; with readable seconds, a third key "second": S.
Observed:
{"hour": 6, "minute": 1}
